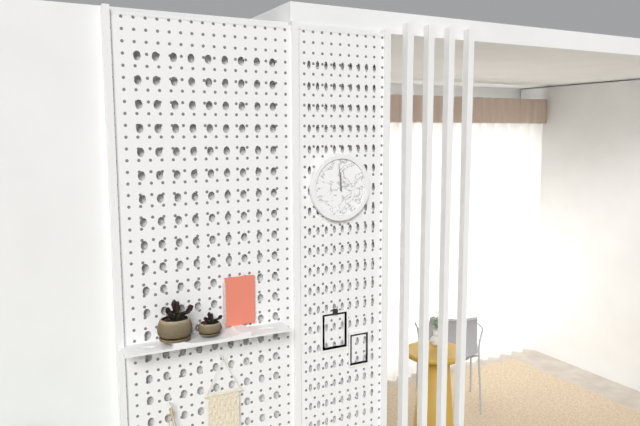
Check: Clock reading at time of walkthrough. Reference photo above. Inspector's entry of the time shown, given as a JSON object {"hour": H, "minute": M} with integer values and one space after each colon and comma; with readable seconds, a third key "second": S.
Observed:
{"hour": 11, "minute": 59}
